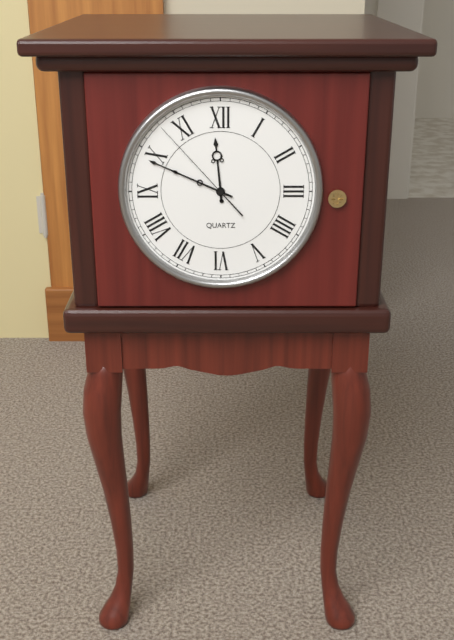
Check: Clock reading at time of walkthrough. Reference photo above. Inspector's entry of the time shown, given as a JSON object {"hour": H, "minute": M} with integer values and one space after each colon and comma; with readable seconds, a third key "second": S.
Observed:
{"hour": 11, "minute": 49, "second": 53}
